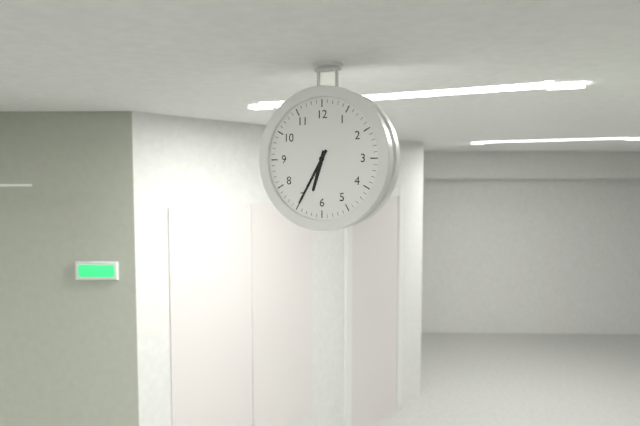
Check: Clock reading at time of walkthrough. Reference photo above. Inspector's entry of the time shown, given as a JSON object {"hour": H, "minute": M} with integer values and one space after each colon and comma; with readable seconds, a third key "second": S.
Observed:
{"hour": 6, "minute": 35}
